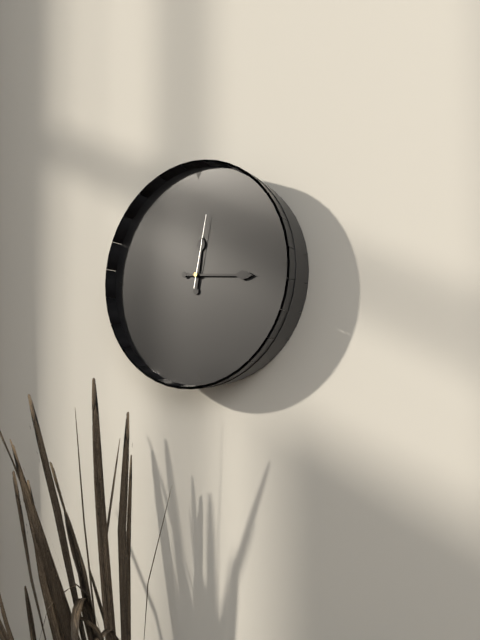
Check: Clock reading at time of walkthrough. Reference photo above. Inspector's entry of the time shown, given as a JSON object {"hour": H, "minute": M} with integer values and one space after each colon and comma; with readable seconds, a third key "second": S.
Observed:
{"hour": 12, "minute": 16, "second": 2}
